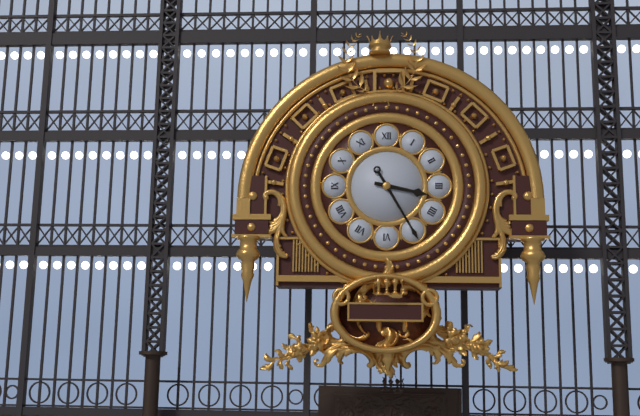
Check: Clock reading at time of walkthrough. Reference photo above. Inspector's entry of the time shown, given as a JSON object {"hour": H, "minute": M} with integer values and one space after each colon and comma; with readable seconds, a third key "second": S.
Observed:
{"hour": 3, "minute": 25}
